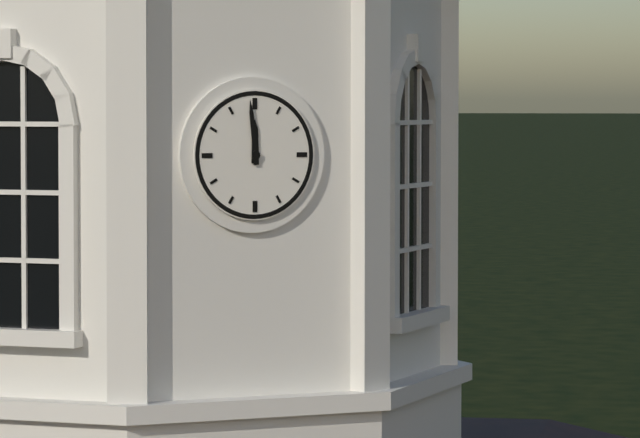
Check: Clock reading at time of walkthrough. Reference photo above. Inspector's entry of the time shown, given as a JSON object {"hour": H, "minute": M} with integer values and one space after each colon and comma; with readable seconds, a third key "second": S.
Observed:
{"hour": 11, "minute": 59}
